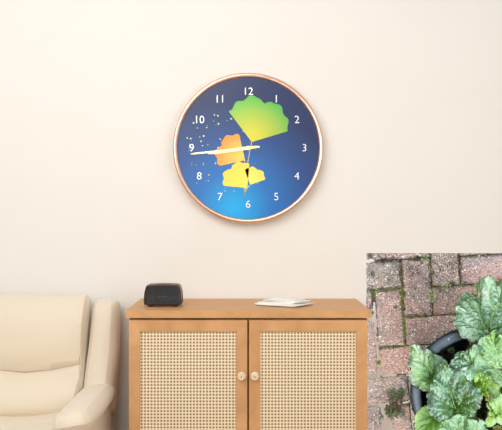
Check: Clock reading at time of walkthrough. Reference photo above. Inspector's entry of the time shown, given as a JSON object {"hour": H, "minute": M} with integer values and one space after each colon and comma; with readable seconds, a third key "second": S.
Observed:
{"hour": 8, "minute": 44}
